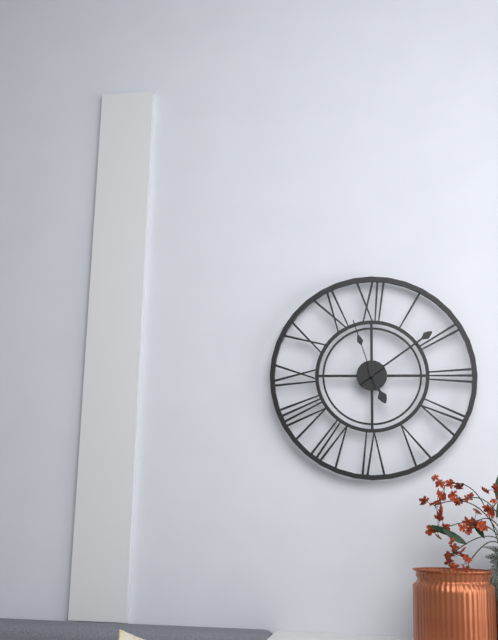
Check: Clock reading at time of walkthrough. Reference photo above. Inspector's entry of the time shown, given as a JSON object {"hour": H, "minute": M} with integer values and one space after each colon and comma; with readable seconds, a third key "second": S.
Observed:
{"hour": 5, "minute": 9, "second": 57}
